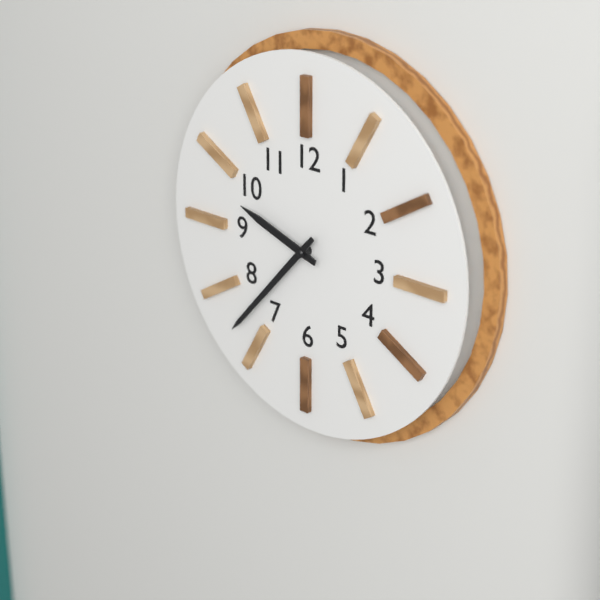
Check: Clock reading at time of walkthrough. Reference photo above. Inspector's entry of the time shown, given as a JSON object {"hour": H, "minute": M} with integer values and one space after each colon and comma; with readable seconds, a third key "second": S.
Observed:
{"hour": 9, "minute": 37}
